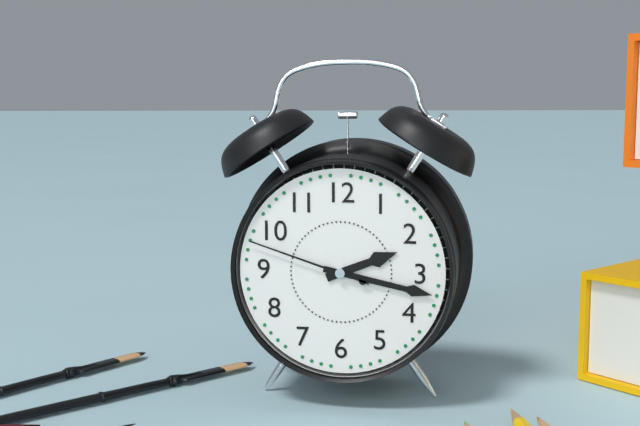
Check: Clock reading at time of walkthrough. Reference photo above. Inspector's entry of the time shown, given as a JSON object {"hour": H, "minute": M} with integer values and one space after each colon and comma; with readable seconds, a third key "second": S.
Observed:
{"hour": 2, "minute": 17, "second": 48}
